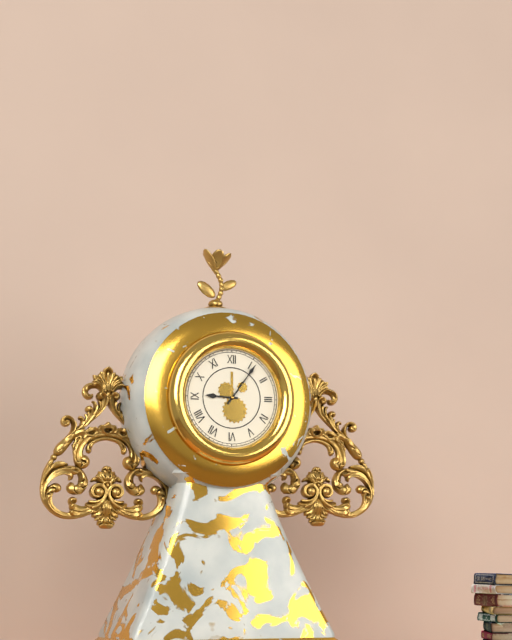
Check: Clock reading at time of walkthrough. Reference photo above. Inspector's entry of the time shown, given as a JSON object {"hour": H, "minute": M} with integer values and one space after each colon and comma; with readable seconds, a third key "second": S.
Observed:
{"hour": 9, "minute": 6}
